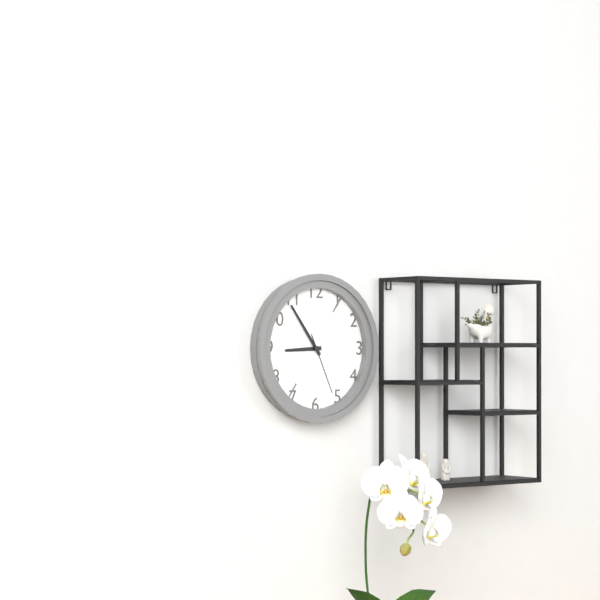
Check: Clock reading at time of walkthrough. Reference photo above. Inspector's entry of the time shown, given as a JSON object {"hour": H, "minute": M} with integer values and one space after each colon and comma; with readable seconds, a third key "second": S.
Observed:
{"hour": 8, "minute": 54, "second": 26}
